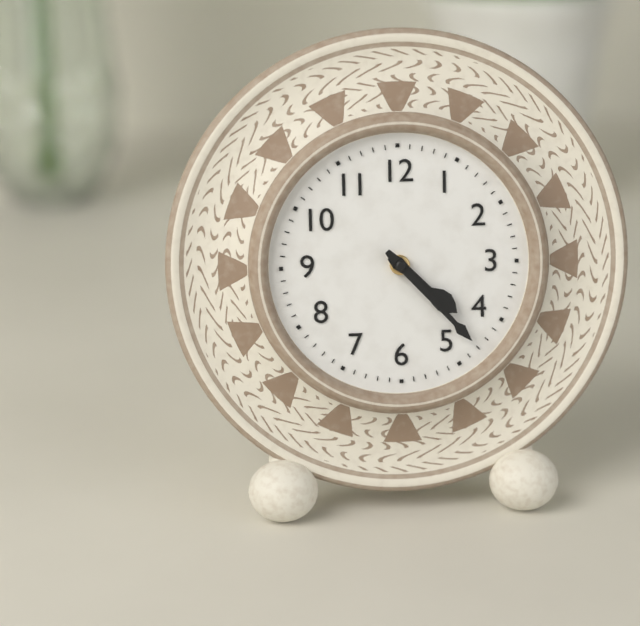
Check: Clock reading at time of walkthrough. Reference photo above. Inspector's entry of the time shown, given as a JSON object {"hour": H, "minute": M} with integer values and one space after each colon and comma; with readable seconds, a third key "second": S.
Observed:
{"hour": 4, "minute": 23}
